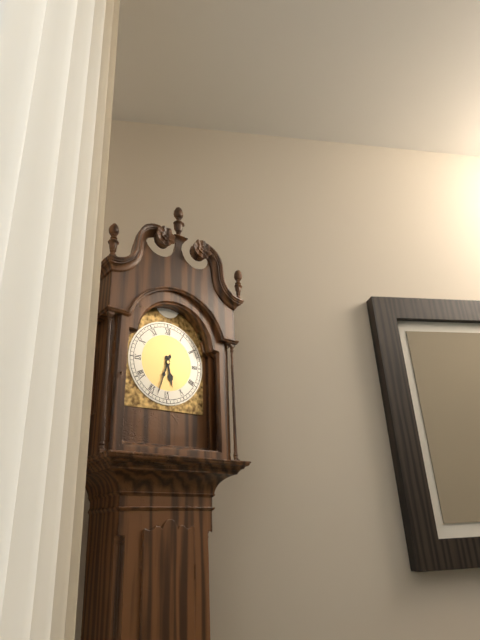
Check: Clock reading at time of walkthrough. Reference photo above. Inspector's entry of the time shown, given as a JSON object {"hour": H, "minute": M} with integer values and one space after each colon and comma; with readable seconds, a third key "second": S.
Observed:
{"hour": 5, "minute": 33}
